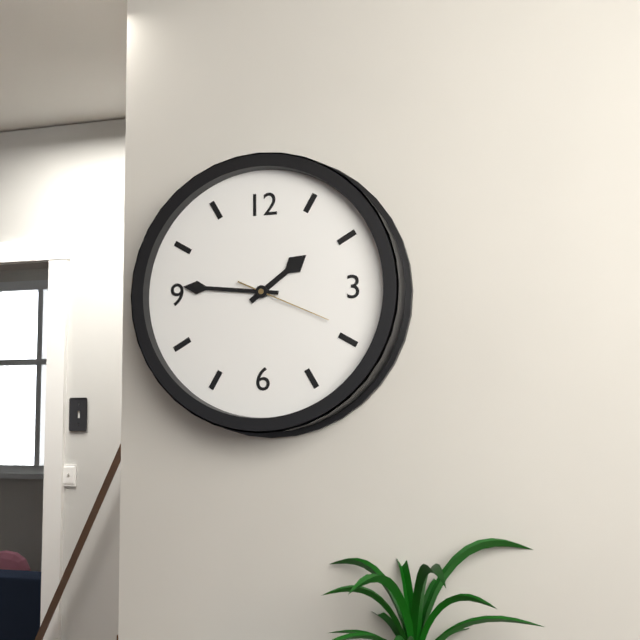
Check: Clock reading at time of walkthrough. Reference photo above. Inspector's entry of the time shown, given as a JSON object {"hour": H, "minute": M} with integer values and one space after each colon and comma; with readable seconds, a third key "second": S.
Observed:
{"hour": 1, "minute": 46, "second": 19}
